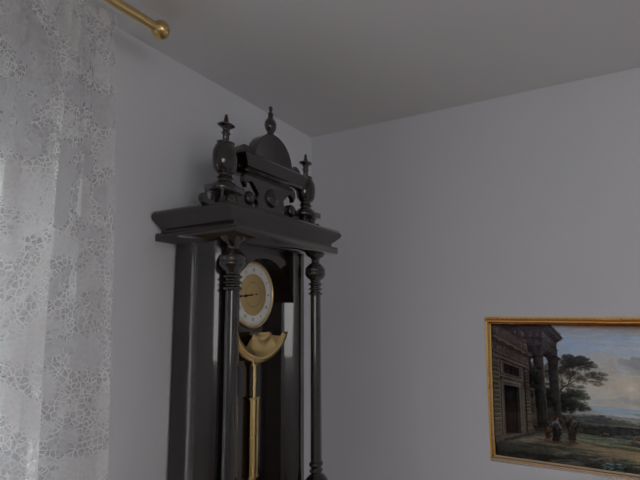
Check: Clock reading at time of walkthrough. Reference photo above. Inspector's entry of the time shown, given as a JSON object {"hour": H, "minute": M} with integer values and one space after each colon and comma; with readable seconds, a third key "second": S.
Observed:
{"hour": 8, "minute": 44}
